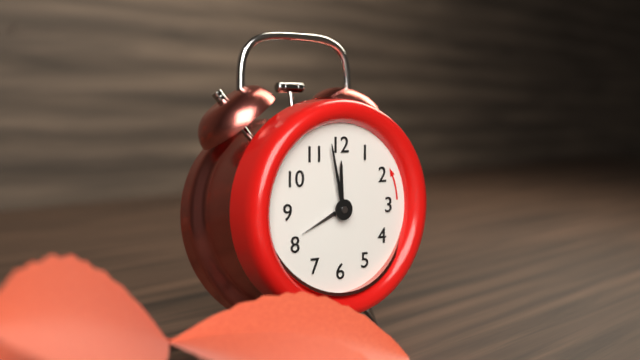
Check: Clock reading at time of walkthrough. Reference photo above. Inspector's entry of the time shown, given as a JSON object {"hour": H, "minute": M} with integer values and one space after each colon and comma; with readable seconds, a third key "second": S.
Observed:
{"hour": 11, "minute": 58, "second": 41}
